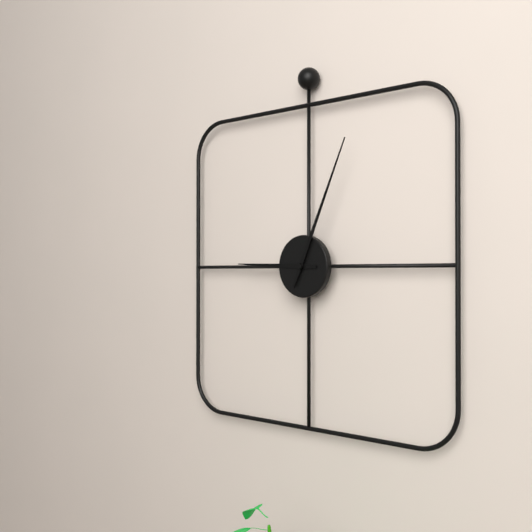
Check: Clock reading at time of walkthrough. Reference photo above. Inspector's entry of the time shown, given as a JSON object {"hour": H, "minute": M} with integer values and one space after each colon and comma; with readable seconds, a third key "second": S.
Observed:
{"hour": 9, "minute": 4}
